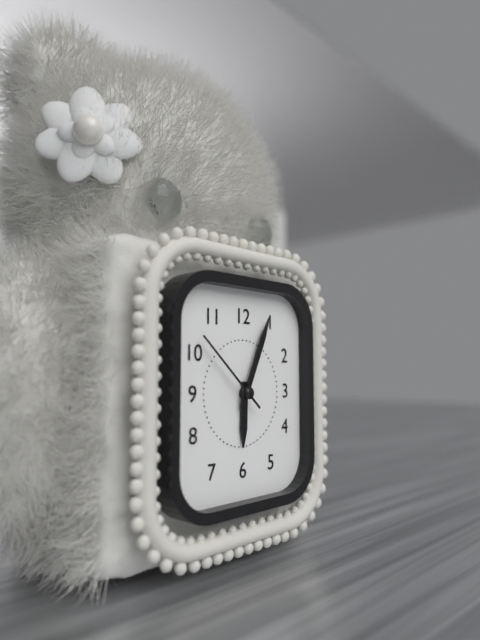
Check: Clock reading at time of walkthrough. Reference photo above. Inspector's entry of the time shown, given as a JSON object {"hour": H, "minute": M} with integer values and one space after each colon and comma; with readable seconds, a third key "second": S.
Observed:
{"hour": 6, "minute": 4, "second": 52}
